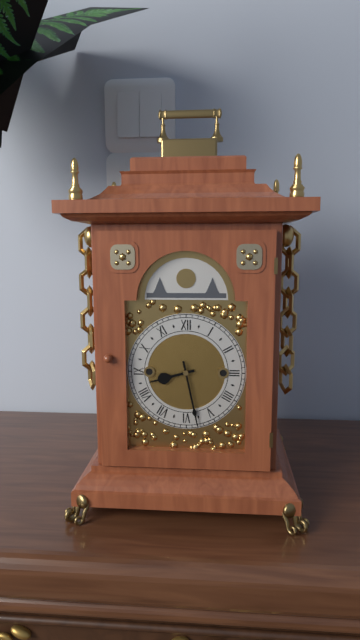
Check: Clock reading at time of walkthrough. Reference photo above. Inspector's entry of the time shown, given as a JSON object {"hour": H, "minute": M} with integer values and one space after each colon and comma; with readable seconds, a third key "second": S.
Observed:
{"hour": 8, "minute": 28}
